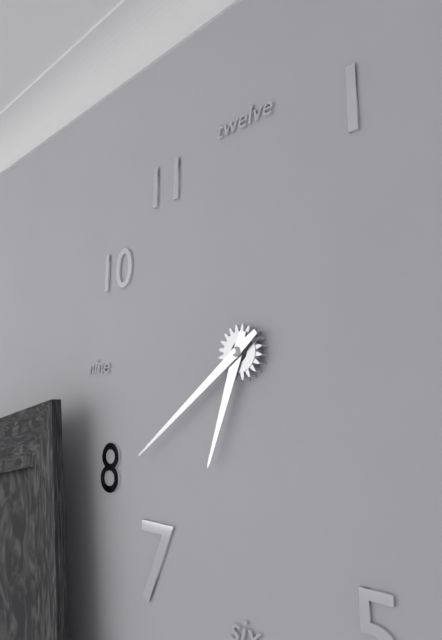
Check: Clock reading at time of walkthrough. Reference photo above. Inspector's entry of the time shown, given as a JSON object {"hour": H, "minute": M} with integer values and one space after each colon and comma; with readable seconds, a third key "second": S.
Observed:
{"hour": 6, "minute": 39}
